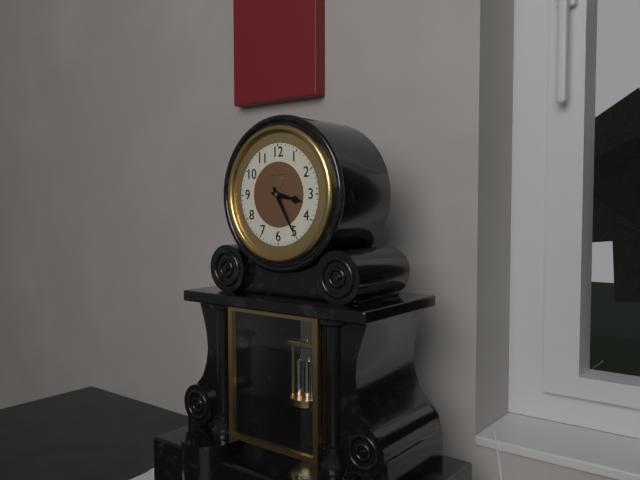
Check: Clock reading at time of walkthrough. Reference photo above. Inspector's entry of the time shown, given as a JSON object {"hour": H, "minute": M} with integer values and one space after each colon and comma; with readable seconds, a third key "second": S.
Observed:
{"hour": 3, "minute": 25}
